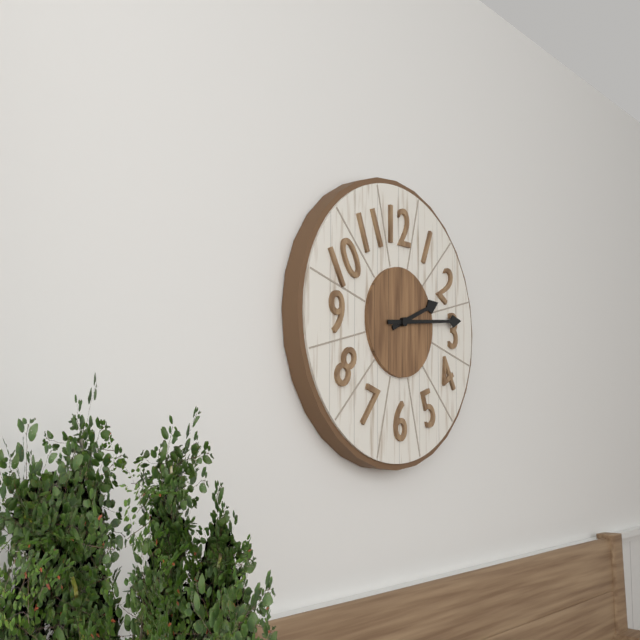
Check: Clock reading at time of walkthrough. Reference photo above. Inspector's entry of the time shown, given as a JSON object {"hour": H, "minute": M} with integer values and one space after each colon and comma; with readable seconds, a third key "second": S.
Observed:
{"hour": 2, "minute": 14}
